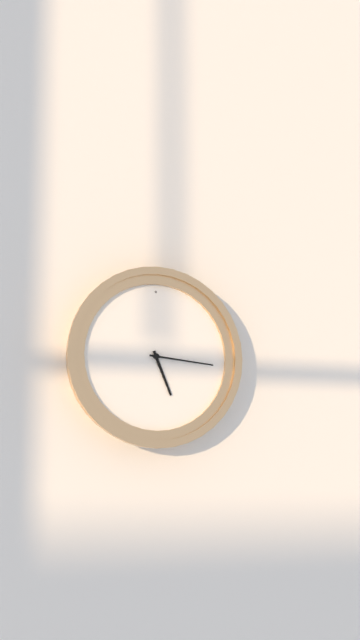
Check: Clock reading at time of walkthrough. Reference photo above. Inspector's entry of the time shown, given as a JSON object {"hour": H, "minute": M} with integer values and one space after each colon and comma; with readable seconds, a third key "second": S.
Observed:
{"hour": 5, "minute": 16}
